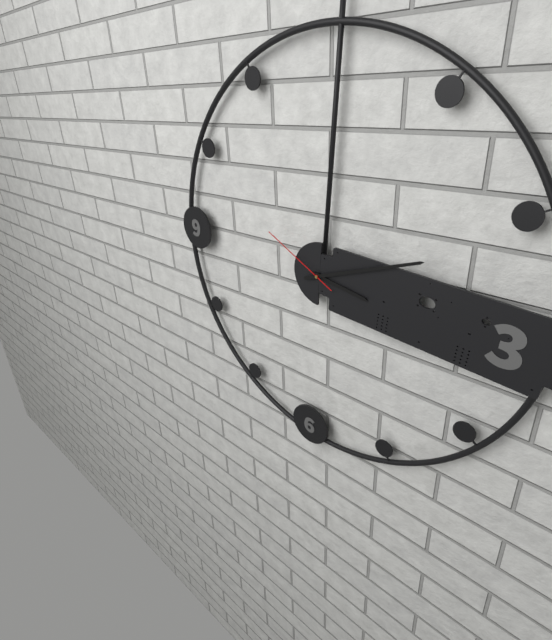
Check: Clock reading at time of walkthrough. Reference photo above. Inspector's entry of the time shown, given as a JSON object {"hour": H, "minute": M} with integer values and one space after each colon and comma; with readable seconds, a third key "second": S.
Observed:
{"hour": 3, "minute": 11, "second": 49}
